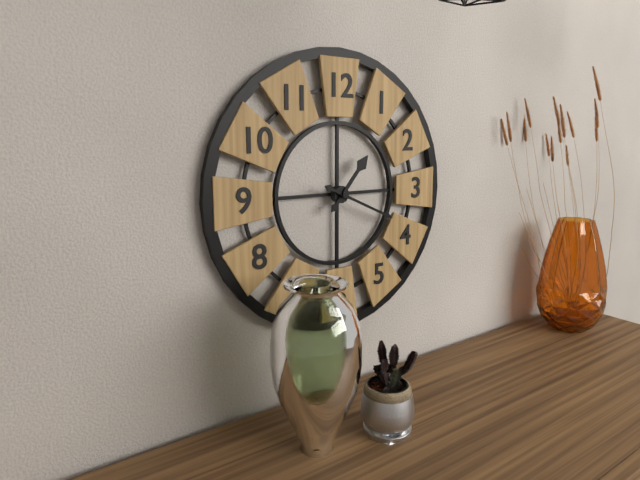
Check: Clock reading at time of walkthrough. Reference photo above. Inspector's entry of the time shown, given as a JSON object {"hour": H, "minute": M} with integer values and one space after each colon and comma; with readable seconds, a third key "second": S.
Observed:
{"hour": 1, "minute": 19}
